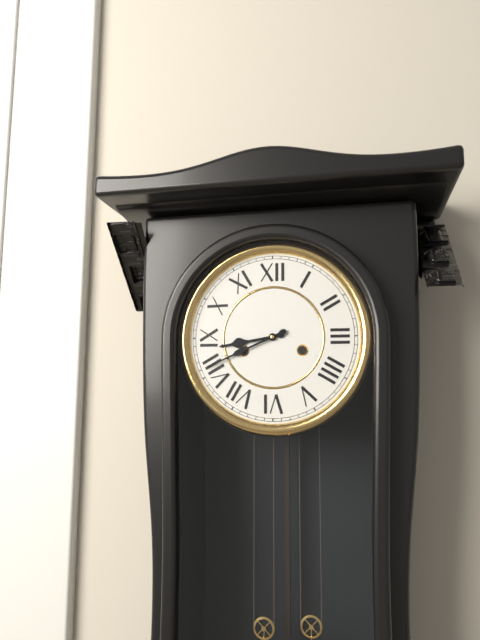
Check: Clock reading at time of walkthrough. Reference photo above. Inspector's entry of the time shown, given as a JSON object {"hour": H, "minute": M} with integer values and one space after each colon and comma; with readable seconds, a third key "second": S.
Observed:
{"hour": 8, "minute": 41}
